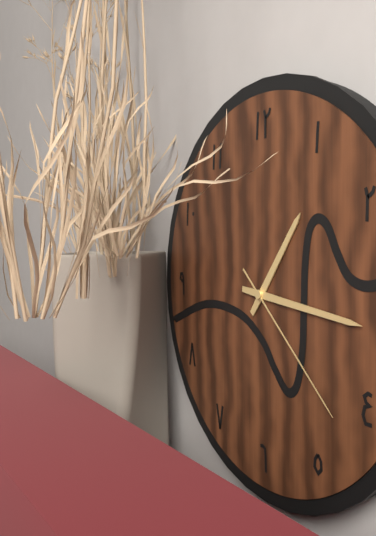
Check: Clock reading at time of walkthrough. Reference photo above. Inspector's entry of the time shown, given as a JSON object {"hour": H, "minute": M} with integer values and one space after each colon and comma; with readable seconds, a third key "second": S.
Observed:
{"hour": 1, "minute": 16, "second": 22}
